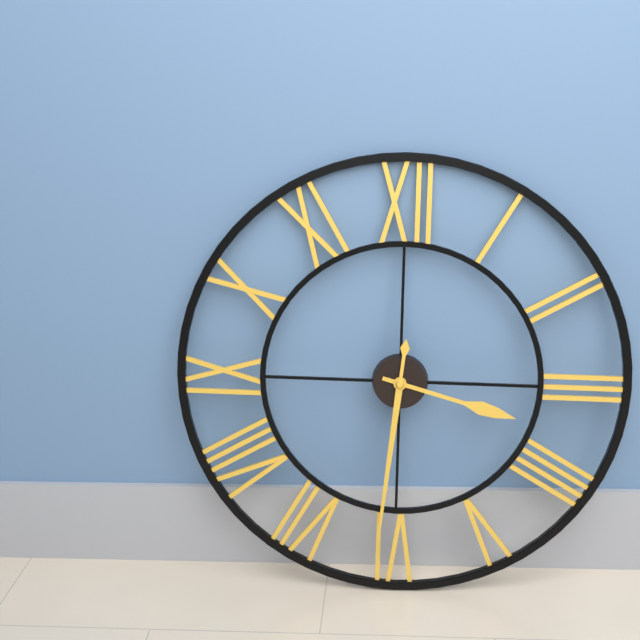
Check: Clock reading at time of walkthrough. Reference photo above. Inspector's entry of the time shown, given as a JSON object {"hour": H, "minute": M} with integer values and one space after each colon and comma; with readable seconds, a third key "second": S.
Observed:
{"hour": 3, "minute": 31}
